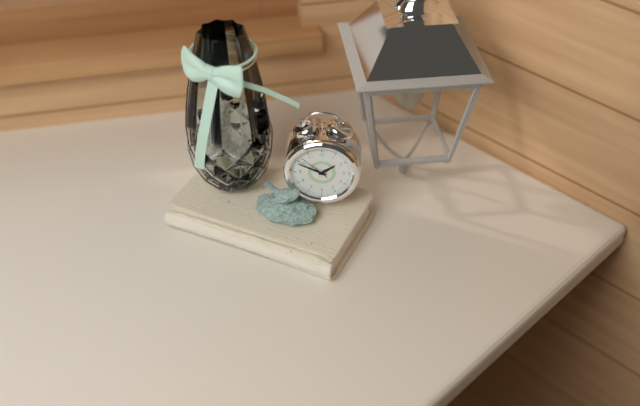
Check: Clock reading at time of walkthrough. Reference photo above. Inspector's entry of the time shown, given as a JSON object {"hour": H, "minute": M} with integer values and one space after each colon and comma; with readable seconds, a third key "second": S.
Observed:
{"hour": 1, "minute": 49}
